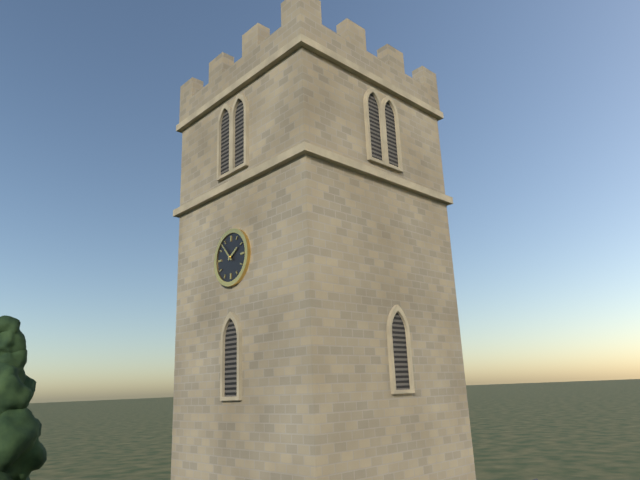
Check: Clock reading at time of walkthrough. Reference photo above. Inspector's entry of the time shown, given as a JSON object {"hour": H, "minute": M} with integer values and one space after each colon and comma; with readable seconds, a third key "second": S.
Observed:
{"hour": 1, "minute": 53}
